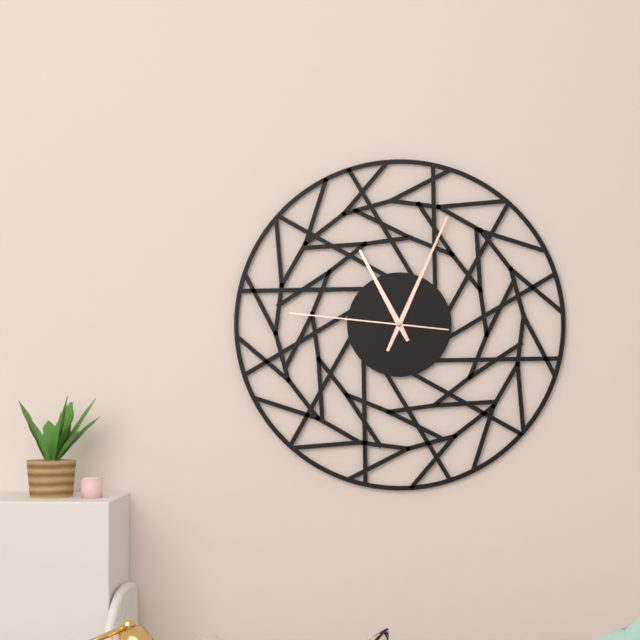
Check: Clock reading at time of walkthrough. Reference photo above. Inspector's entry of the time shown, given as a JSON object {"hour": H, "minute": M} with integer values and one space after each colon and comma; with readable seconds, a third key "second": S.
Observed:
{"hour": 11, "minute": 4, "second": 46}
